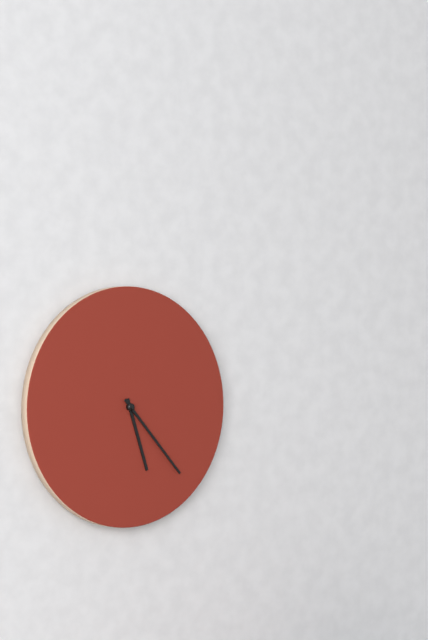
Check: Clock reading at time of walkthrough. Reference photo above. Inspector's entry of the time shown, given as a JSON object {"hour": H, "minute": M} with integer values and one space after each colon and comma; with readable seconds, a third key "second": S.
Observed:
{"hour": 5, "minute": 23}
